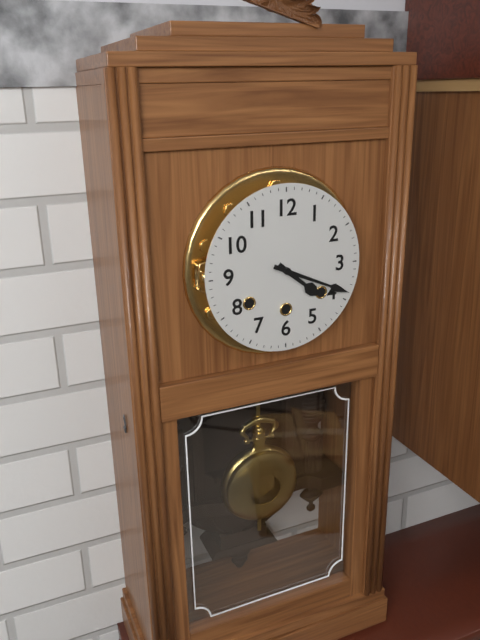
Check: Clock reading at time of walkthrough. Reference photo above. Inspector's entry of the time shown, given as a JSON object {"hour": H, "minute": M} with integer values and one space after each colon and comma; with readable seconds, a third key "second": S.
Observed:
{"hour": 4, "minute": 19}
